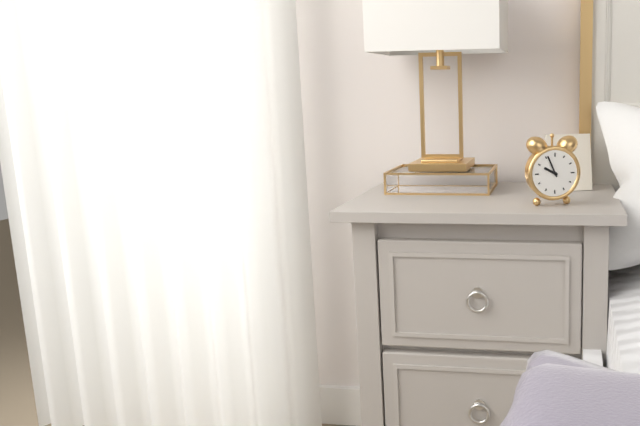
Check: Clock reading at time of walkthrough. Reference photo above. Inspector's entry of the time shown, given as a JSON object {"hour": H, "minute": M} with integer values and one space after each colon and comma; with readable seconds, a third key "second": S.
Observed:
{"hour": 9, "minute": 56}
